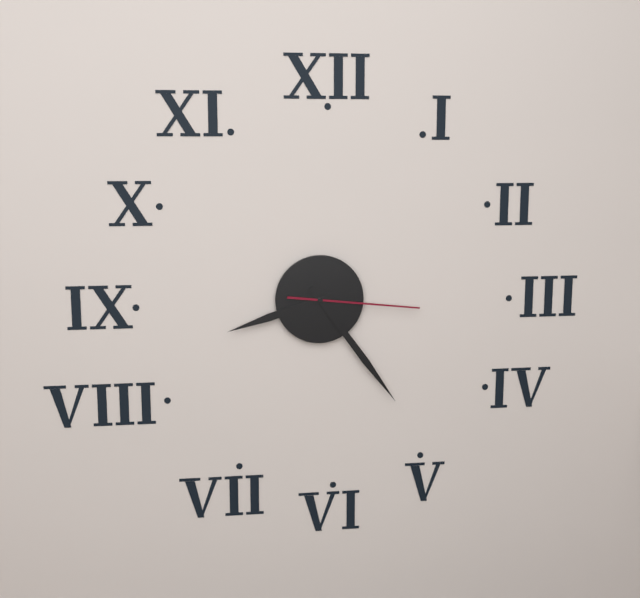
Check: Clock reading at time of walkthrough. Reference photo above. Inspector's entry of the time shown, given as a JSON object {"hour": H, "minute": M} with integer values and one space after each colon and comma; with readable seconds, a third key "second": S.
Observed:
{"hour": 8, "minute": 24, "second": 16}
